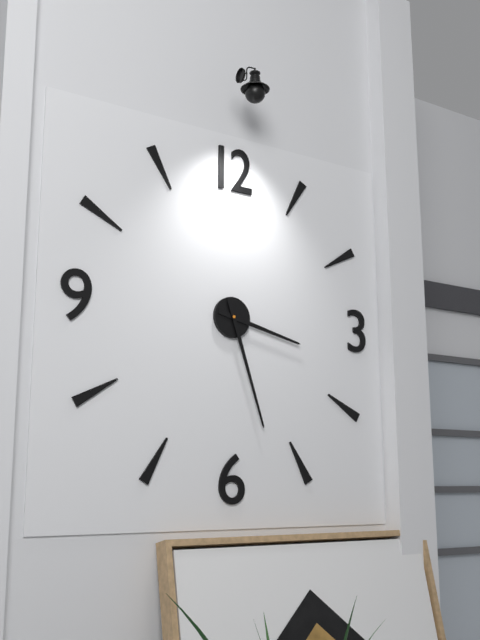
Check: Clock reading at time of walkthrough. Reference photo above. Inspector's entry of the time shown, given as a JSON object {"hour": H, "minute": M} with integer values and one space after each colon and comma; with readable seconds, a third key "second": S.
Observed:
{"hour": 3, "minute": 27}
